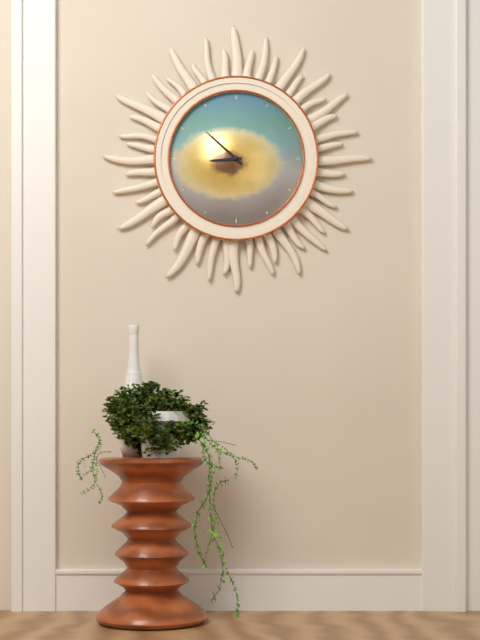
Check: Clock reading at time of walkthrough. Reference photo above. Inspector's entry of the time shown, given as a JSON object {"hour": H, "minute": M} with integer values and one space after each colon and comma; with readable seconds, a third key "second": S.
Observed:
{"hour": 8, "minute": 52}
